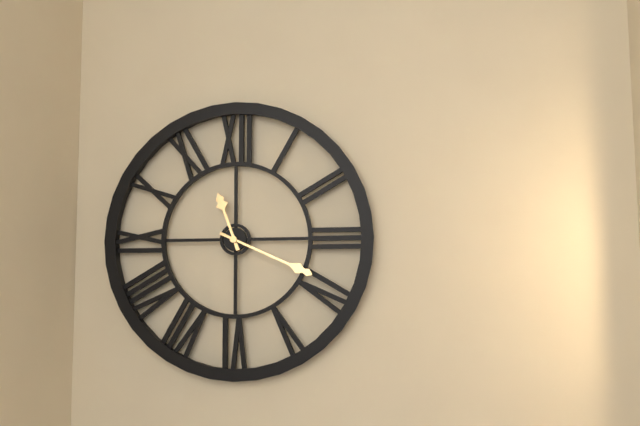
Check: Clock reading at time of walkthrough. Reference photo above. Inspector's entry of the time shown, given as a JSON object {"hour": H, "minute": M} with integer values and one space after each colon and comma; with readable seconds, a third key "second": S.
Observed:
{"hour": 11, "minute": 19}
